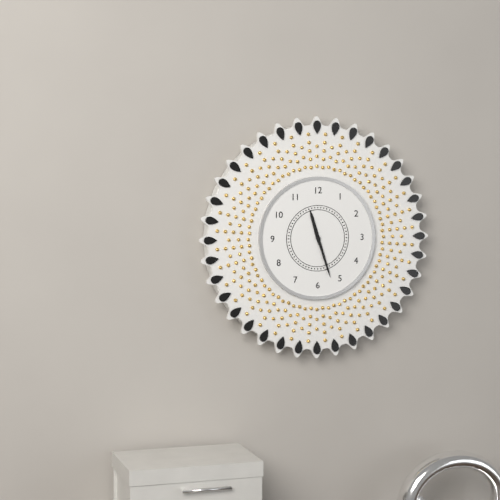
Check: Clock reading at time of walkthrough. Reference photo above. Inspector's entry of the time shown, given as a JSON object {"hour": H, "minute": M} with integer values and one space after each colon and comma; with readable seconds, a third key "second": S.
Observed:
{"hour": 11, "minute": 27}
